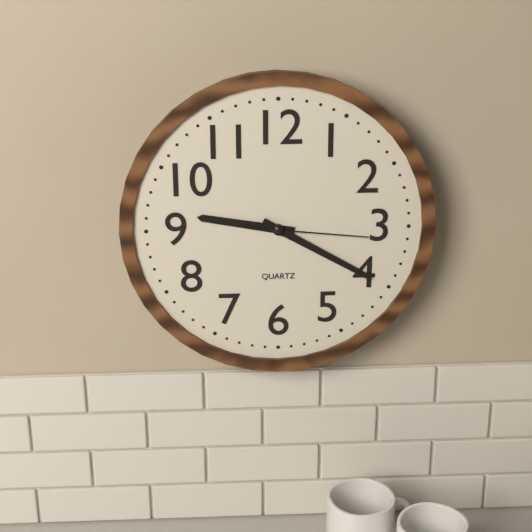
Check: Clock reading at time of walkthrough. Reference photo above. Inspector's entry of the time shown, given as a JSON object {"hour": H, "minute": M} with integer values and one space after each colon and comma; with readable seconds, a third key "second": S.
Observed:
{"hour": 9, "minute": 20, "second": 16}
